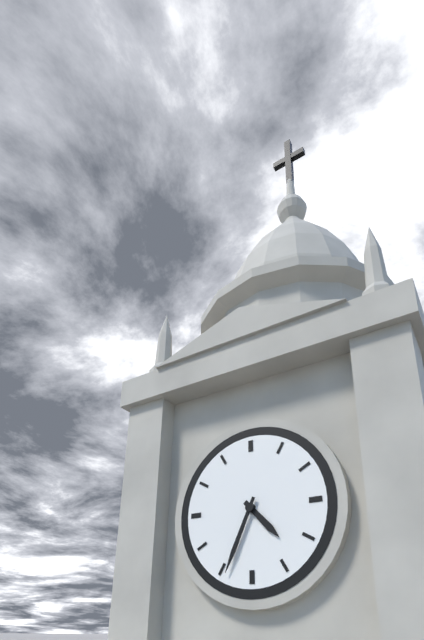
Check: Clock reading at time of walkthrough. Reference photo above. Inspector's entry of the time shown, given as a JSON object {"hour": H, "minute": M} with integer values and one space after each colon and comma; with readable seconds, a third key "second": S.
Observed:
{"hour": 4, "minute": 34}
